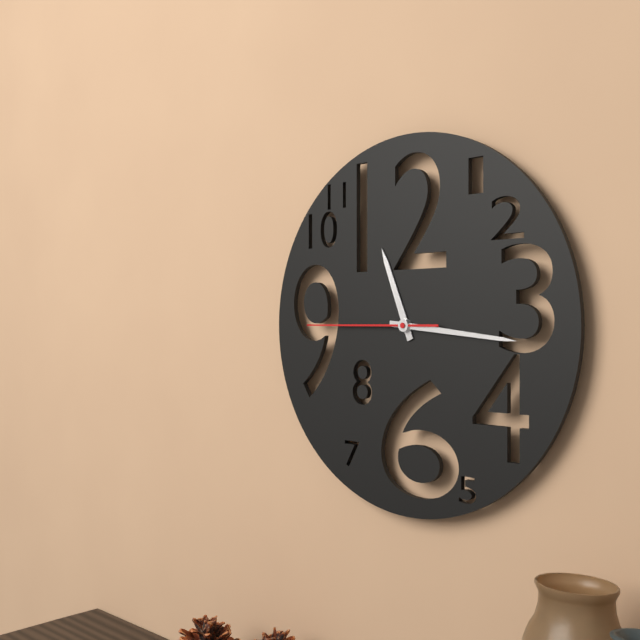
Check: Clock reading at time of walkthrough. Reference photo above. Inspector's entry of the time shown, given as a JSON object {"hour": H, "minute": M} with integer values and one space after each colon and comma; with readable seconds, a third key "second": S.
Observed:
{"hour": 11, "minute": 16, "second": 45}
